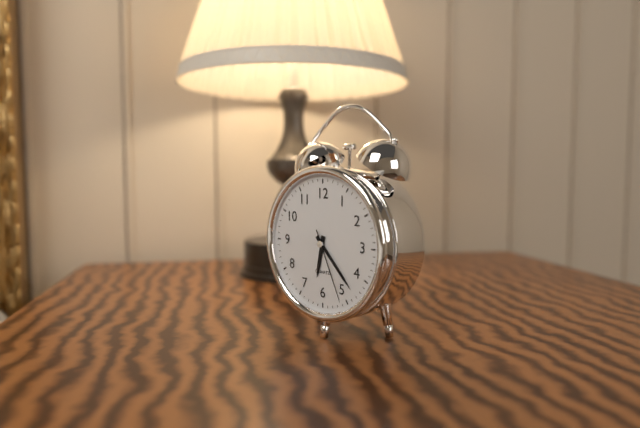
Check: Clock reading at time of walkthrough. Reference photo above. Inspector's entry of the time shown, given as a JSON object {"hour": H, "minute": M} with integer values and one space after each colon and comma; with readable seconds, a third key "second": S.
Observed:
{"hour": 6, "minute": 23, "second": 26}
